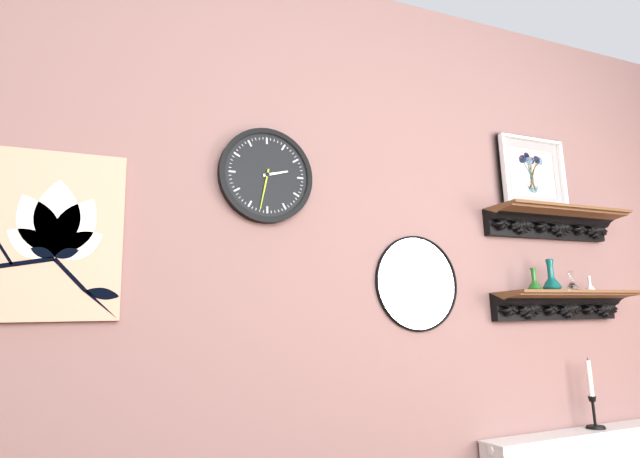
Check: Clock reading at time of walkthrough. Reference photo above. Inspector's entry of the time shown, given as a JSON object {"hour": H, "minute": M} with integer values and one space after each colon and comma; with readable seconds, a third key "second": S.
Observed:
{"hour": 2, "minute": 32}
